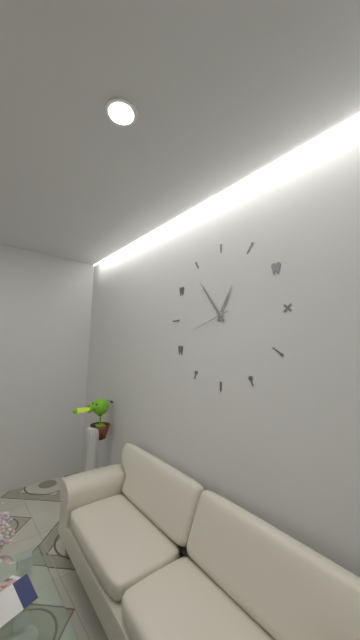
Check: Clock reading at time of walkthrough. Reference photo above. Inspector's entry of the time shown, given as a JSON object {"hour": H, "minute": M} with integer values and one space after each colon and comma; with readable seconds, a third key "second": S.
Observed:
{"hour": 12, "minute": 54}
